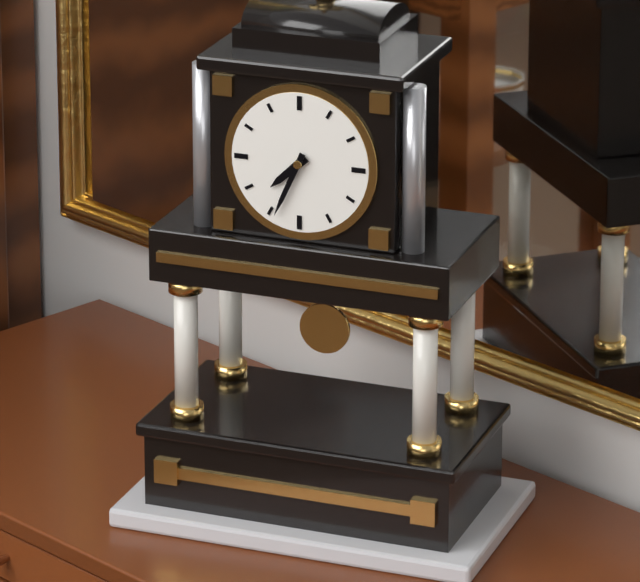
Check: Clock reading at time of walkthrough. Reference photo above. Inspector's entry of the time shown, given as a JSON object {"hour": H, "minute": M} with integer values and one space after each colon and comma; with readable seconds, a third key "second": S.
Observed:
{"hour": 7, "minute": 34}
